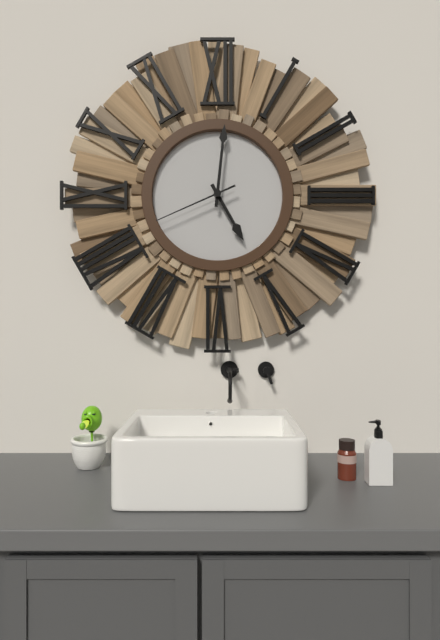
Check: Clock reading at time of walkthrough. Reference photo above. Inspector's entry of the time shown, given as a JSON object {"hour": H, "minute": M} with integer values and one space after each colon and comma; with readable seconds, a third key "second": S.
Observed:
{"hour": 5, "minute": 1, "second": 41}
